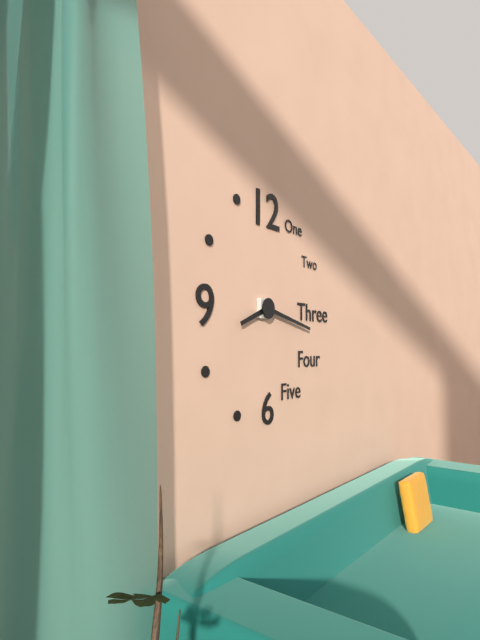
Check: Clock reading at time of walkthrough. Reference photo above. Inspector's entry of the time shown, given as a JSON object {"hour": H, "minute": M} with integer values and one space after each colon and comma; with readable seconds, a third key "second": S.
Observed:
{"hour": 8, "minute": 17}
